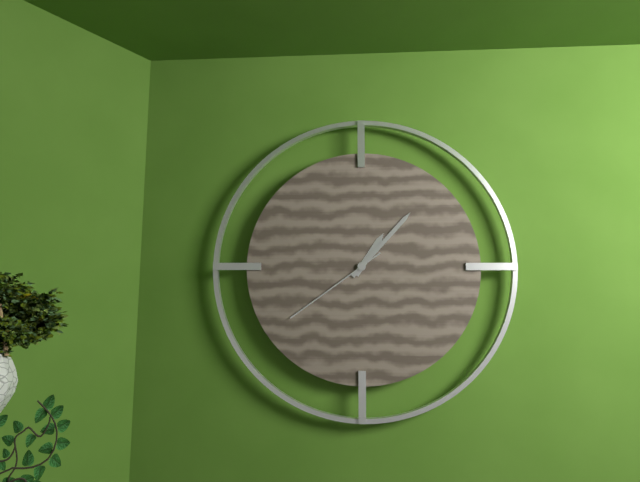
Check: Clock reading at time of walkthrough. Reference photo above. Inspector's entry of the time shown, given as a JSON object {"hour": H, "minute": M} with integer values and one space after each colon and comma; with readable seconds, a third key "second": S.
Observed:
{"hour": 1, "minute": 7, "second": 39}
